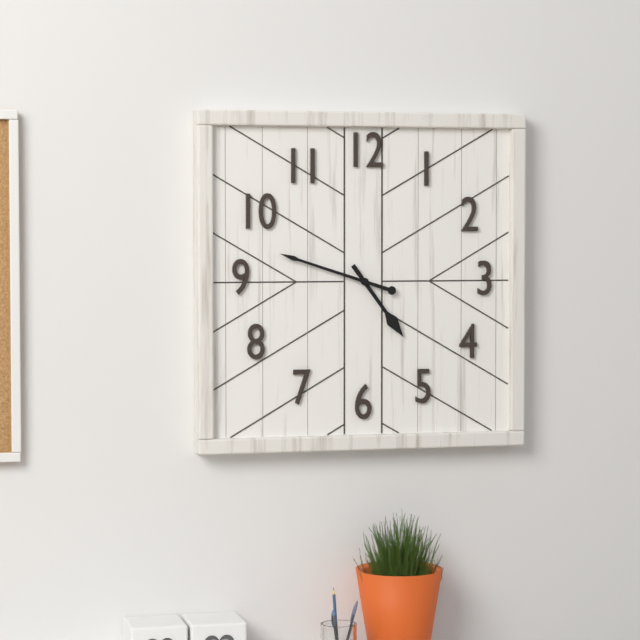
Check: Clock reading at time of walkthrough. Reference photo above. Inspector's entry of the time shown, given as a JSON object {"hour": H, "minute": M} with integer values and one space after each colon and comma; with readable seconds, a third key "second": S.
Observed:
{"hour": 4, "minute": 48}
